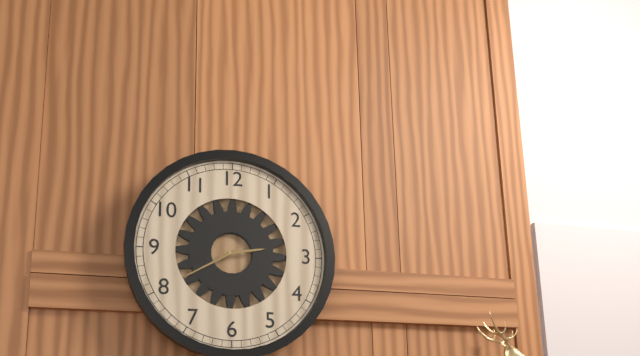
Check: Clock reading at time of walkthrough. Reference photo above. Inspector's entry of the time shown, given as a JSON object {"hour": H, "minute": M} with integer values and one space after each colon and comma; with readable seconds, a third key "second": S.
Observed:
{"hour": 2, "minute": 40}
